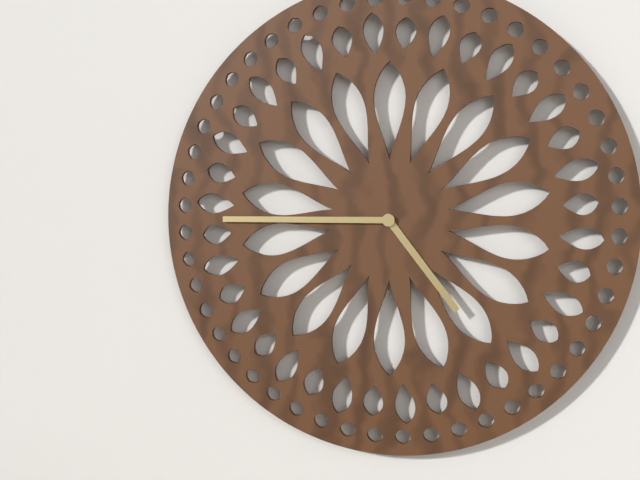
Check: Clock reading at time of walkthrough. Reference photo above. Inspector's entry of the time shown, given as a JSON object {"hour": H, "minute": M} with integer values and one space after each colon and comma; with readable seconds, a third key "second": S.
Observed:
{"hour": 4, "minute": 45}
